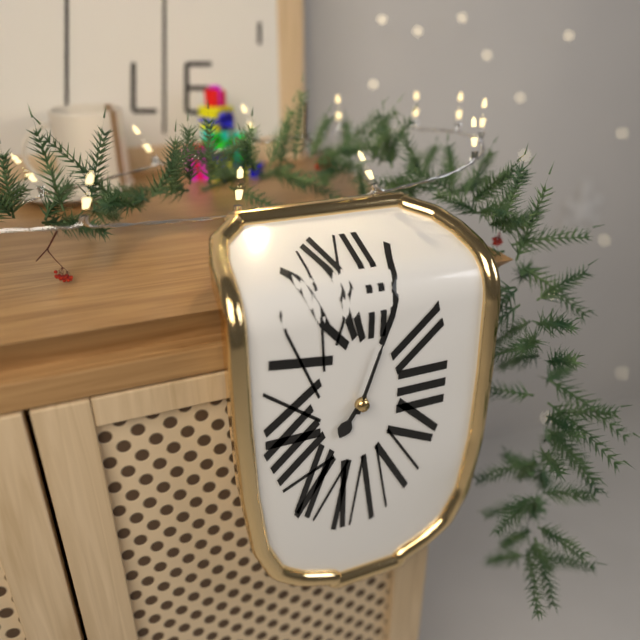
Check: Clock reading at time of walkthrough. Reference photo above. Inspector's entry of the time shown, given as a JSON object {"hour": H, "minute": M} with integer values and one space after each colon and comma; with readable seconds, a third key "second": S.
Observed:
{"hour": 7, "minute": 3}
